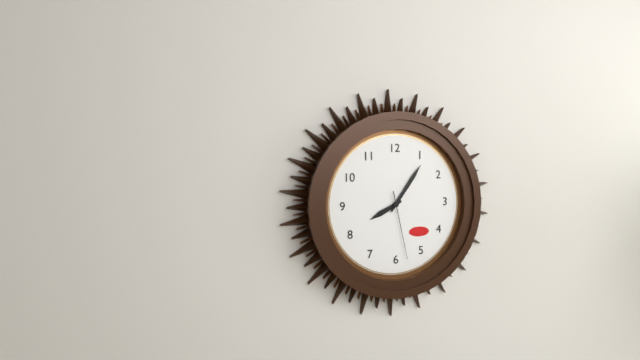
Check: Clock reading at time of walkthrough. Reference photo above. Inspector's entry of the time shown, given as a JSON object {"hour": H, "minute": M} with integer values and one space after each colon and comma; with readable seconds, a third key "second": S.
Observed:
{"hour": 8, "minute": 6, "second": 28}
